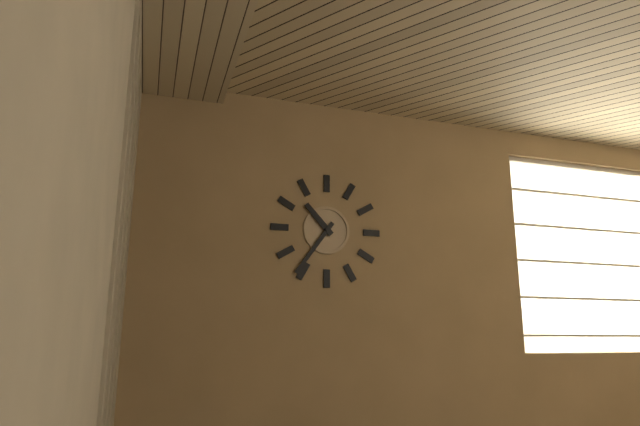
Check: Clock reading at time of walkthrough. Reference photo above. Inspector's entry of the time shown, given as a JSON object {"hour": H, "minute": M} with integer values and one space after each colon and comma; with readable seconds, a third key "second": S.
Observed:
{"hour": 10, "minute": 36}
